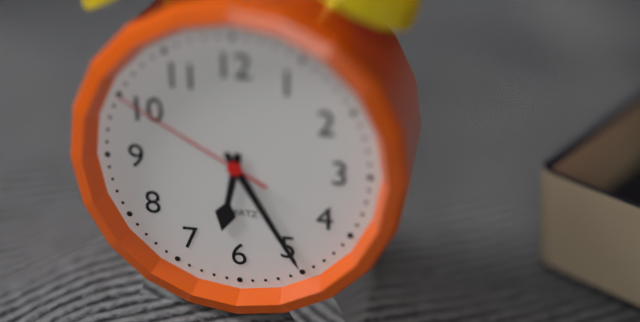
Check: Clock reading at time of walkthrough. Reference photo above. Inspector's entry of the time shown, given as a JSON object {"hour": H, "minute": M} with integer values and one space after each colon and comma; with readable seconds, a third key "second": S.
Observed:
{"hour": 6, "minute": 25, "second": 50}
